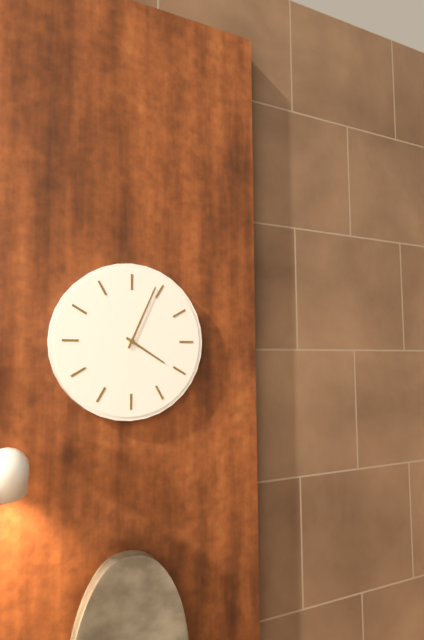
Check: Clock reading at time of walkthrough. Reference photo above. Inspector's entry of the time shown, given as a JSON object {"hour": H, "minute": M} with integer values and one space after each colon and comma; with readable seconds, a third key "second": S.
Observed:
{"hour": 4, "minute": 4}
